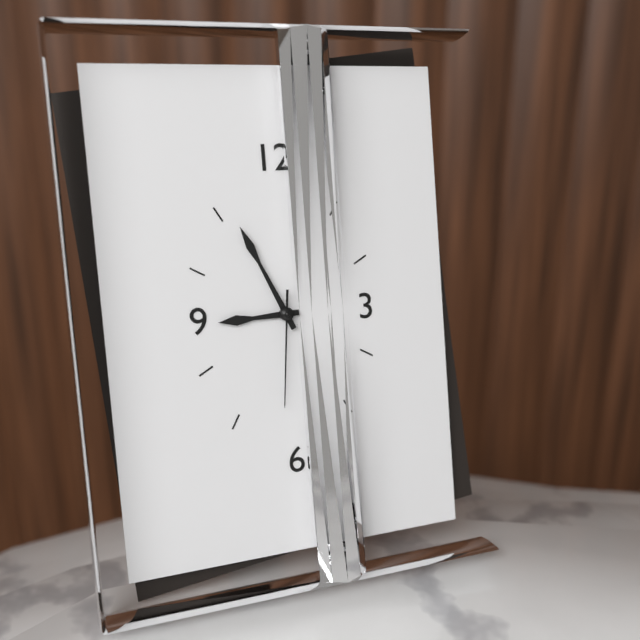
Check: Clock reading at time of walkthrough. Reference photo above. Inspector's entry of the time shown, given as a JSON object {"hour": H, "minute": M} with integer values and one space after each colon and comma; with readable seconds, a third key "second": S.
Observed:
{"hour": 8, "minute": 56, "second": 31}
